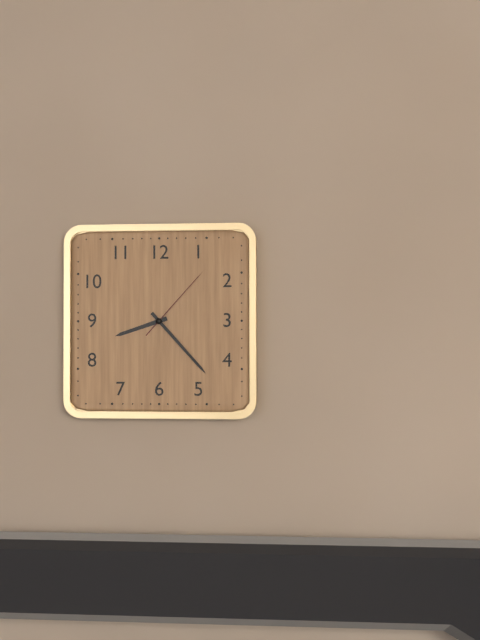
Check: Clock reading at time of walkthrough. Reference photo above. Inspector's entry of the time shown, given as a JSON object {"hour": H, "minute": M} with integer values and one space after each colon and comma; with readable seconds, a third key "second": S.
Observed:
{"hour": 8, "minute": 23, "second": 7}
